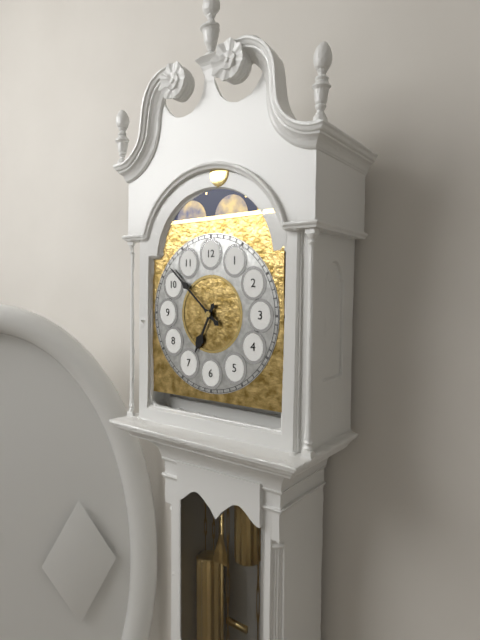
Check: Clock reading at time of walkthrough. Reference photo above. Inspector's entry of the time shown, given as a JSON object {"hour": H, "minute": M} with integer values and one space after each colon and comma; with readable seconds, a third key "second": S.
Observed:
{"hour": 6, "minute": 52}
